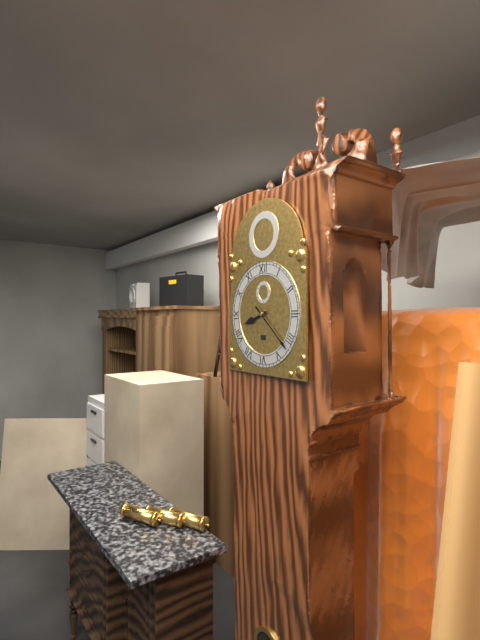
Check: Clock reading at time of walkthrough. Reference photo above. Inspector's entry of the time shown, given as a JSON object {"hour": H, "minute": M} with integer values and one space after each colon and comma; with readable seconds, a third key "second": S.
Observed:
{"hour": 8, "minute": 22}
